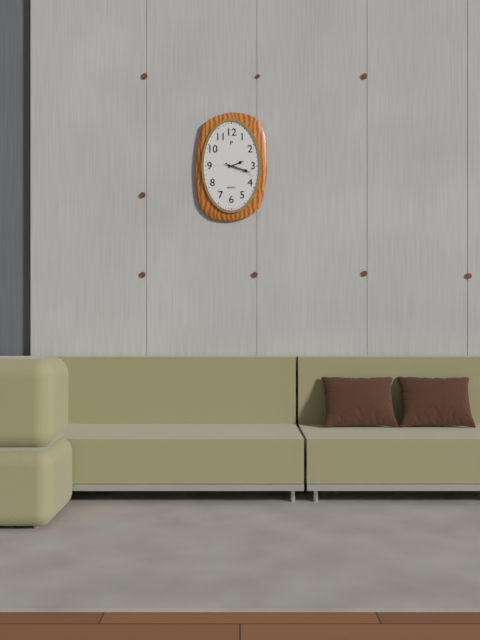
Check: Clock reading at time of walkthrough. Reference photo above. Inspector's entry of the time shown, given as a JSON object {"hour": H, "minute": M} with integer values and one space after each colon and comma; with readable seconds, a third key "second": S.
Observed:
{"hour": 2, "minute": 18}
